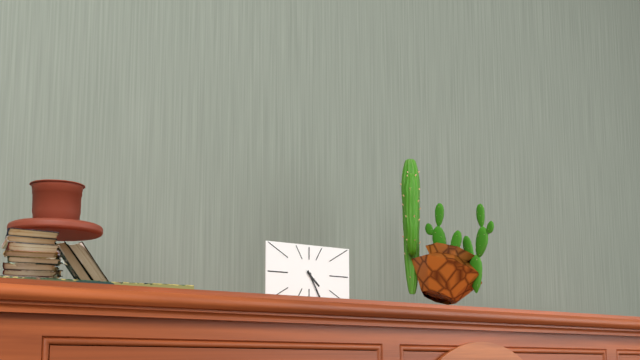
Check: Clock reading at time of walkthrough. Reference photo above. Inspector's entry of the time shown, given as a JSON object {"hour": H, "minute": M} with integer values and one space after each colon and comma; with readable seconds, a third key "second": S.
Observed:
{"hour": 4, "minute": 25}
